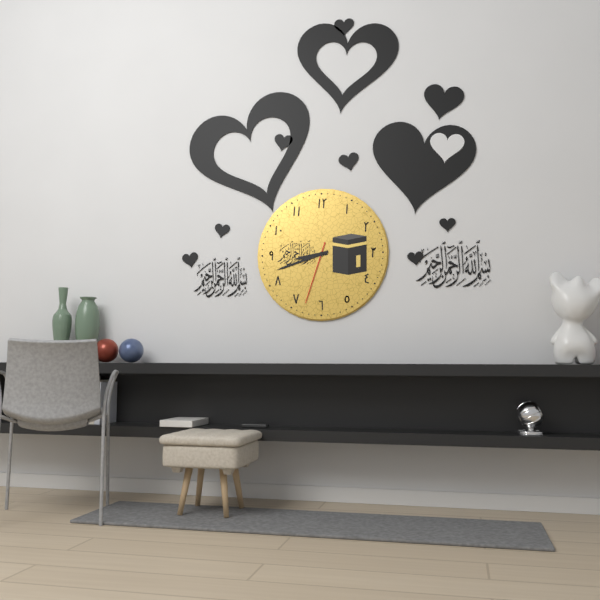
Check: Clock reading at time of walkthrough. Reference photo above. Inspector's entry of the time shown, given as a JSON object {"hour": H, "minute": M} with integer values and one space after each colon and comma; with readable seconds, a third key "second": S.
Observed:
{"hour": 8, "minute": 42, "second": 33}
